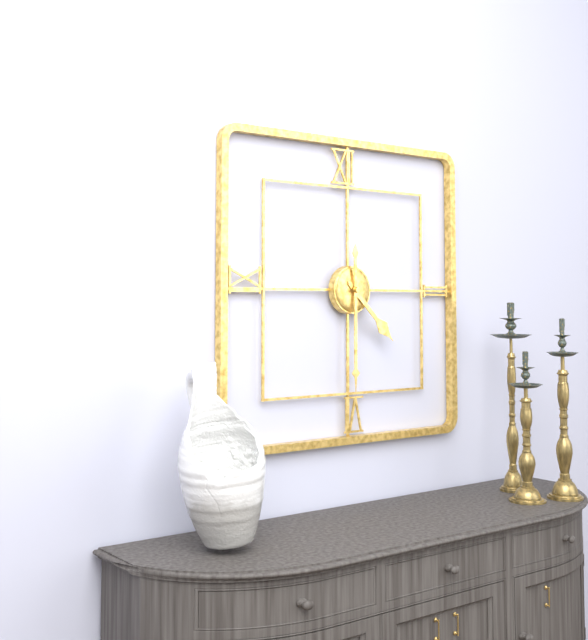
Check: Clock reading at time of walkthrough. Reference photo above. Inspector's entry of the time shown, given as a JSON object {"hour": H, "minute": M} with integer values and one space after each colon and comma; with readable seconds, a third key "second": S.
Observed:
{"hour": 4, "minute": 30}
